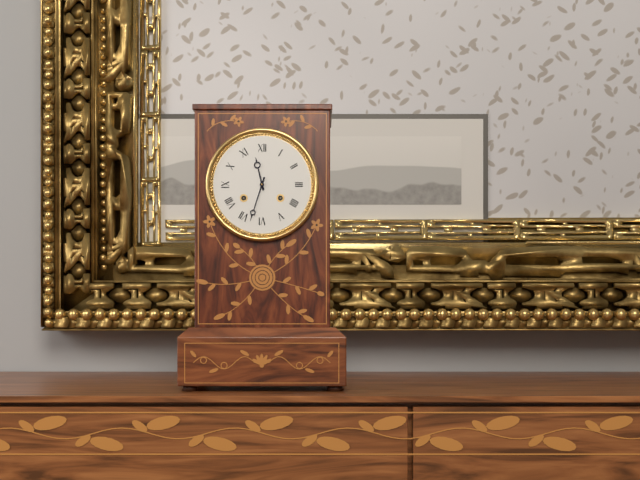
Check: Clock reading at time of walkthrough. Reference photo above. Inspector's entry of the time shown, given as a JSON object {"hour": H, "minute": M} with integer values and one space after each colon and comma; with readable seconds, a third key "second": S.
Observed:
{"hour": 11, "minute": 33}
